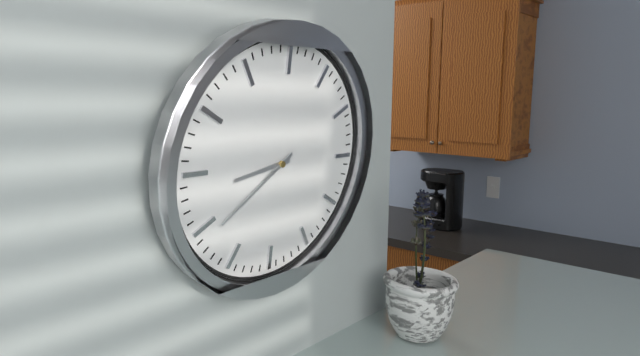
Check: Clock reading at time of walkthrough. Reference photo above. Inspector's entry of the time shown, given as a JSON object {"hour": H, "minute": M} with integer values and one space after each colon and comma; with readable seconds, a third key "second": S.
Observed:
{"hour": 8, "minute": 39}
